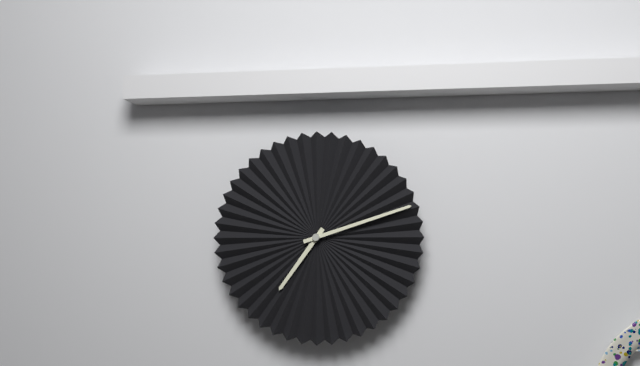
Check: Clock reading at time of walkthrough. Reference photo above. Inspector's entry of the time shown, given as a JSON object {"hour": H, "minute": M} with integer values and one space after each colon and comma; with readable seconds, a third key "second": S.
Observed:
{"hour": 7, "minute": 12}
